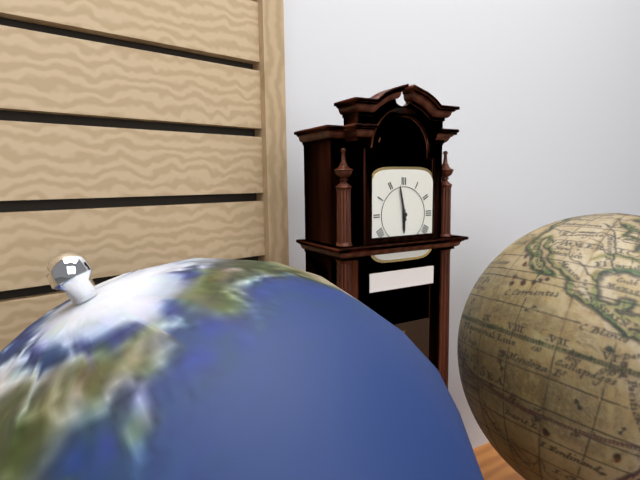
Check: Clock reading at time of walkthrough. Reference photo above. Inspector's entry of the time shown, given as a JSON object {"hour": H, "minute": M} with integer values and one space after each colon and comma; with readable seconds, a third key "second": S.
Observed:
{"hour": 5, "minute": 58}
